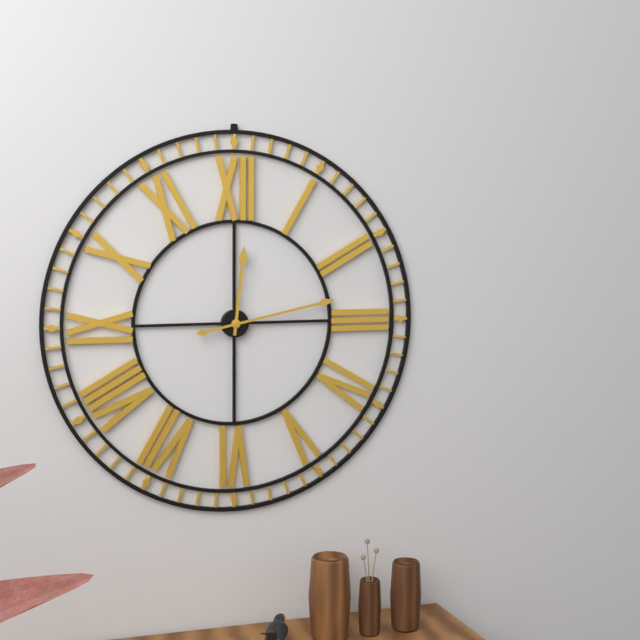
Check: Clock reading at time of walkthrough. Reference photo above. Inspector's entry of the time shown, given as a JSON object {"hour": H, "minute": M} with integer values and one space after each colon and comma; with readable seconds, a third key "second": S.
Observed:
{"hour": 12, "minute": 13}
